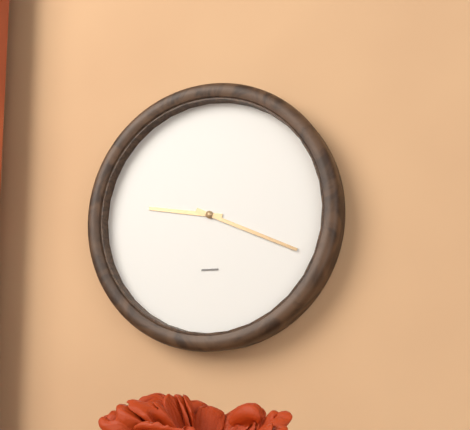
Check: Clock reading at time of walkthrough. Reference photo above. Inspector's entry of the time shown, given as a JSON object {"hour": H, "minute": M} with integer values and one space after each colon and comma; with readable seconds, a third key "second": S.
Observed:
{"hour": 9, "minute": 19}
